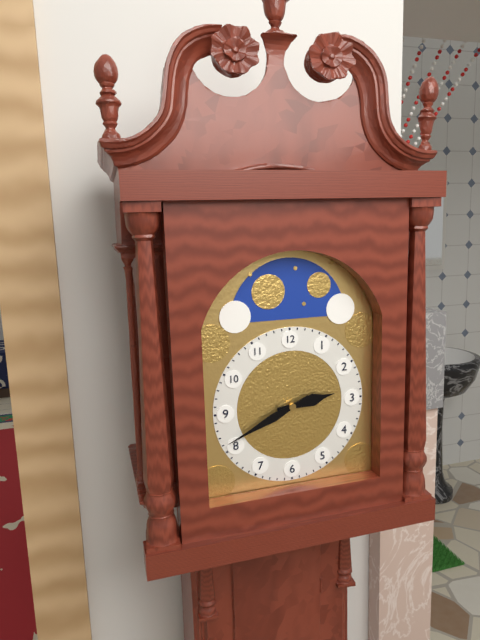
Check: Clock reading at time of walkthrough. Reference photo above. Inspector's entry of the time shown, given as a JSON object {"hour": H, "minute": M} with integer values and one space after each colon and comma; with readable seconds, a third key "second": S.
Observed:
{"hour": 2, "minute": 41}
